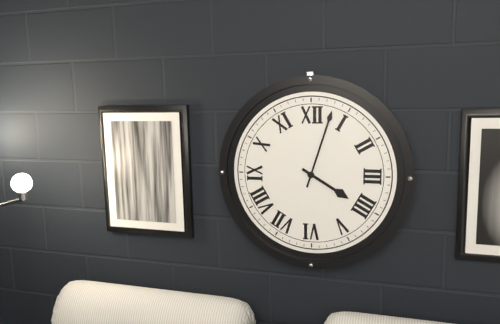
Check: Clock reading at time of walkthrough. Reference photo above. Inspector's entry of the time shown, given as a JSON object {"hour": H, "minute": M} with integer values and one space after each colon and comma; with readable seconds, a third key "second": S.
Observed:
{"hour": 4, "minute": 3}
